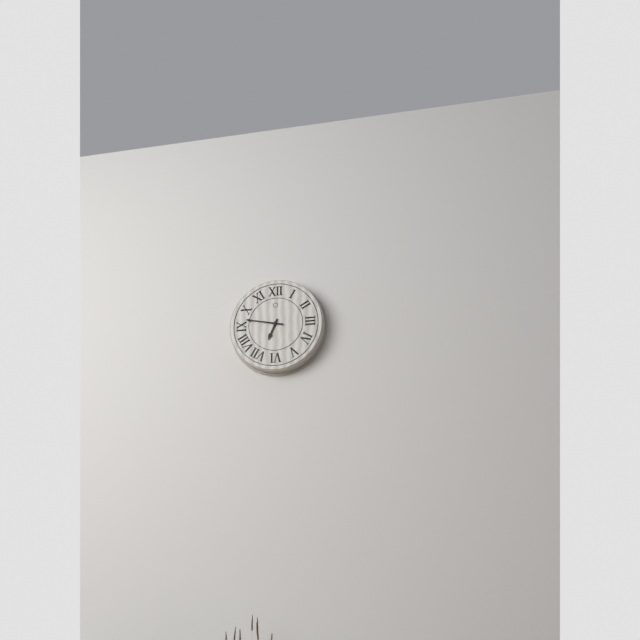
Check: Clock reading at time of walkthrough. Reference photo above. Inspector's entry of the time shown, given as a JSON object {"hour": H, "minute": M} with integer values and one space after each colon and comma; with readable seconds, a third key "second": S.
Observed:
{"hour": 6, "minute": 47}
